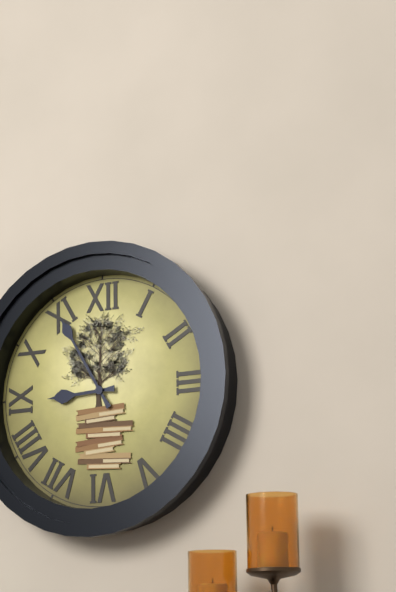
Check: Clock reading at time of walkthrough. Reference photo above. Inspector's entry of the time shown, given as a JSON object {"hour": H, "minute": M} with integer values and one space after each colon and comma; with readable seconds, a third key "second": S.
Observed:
{"hour": 8, "minute": 55}
